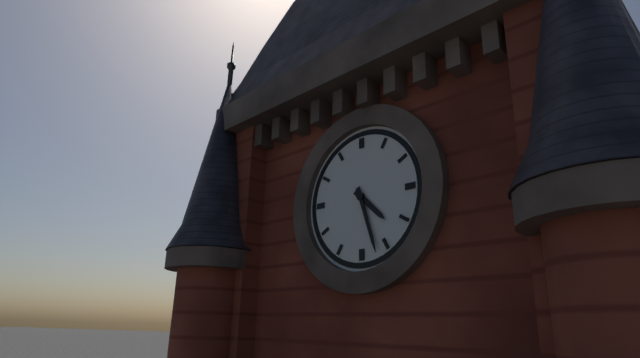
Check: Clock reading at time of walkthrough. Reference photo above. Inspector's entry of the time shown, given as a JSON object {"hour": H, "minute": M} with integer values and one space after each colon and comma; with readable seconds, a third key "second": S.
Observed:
{"hour": 4, "minute": 27}
